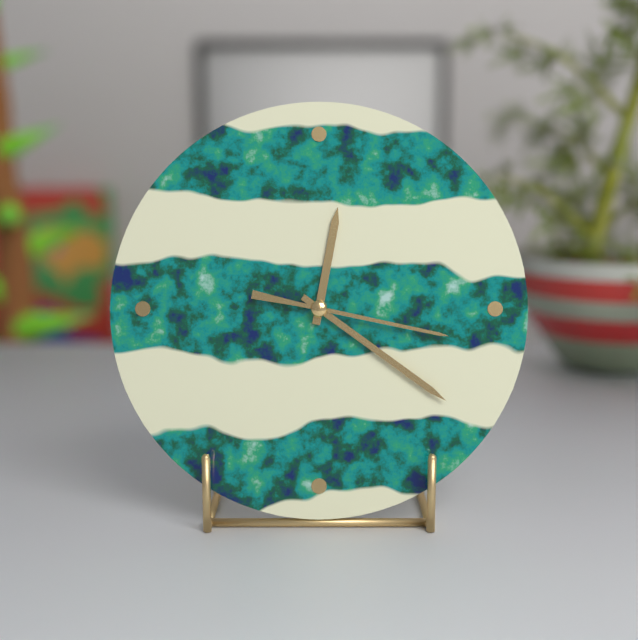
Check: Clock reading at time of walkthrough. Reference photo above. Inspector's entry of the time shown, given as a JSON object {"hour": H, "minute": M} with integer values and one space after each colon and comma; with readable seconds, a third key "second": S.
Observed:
{"hour": 12, "minute": 21, "second": 17}
